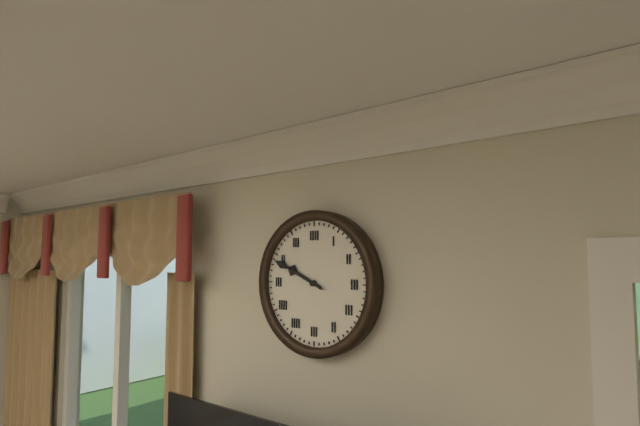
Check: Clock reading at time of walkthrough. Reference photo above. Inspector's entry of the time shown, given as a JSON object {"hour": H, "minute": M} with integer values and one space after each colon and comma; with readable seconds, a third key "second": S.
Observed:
{"hour": 9, "minute": 49}
